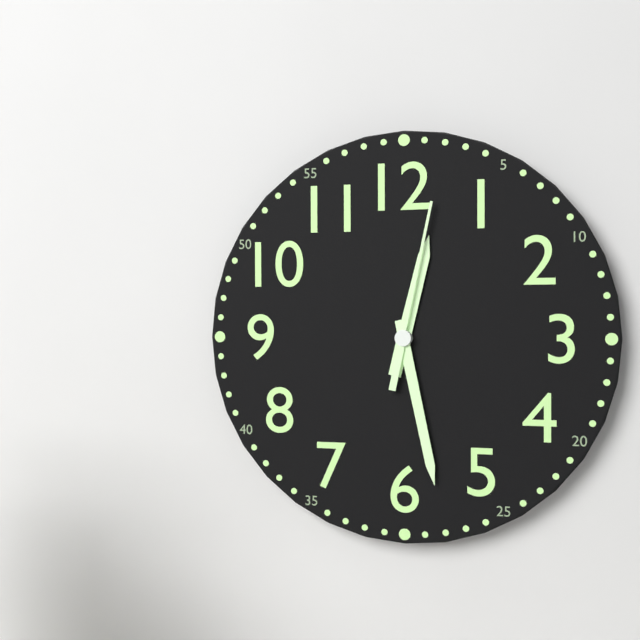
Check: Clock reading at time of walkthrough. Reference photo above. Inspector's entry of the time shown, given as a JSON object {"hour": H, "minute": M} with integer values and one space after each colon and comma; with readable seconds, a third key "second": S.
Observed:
{"hour": 12, "minute": 28, "second": 2}
